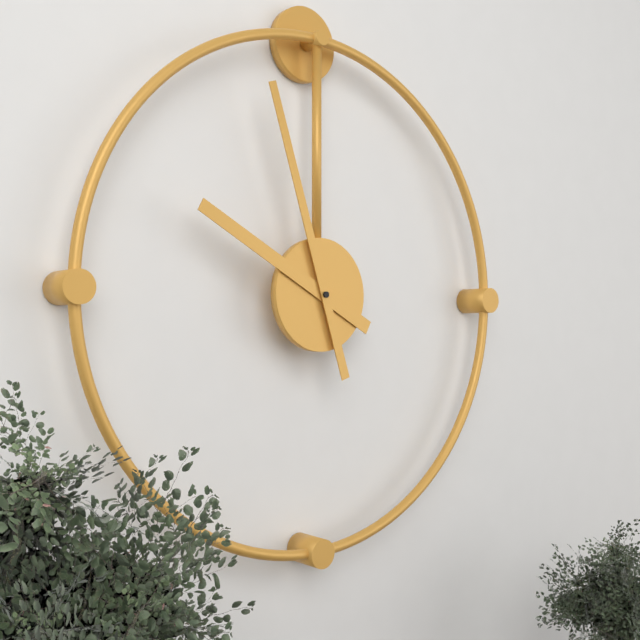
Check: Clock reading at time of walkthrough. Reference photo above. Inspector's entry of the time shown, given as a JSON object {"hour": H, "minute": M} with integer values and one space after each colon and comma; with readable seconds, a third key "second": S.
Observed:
{"hour": 9, "minute": 57}
